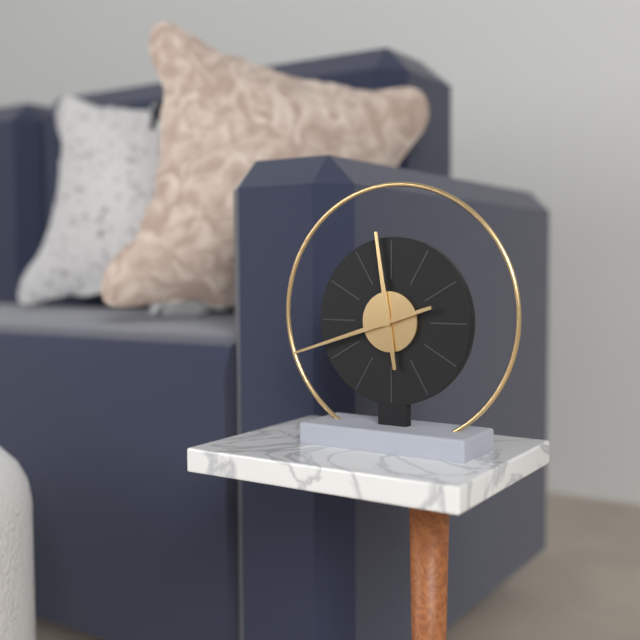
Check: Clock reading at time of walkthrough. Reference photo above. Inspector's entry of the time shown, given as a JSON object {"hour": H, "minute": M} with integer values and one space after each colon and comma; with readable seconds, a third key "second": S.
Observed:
{"hour": 11, "minute": 42}
